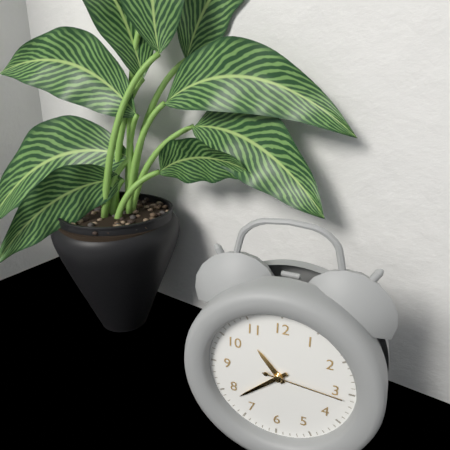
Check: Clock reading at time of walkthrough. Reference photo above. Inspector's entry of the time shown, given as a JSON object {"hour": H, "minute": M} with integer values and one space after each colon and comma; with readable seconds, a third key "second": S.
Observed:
{"hour": 10, "minute": 38, "second": 16}
